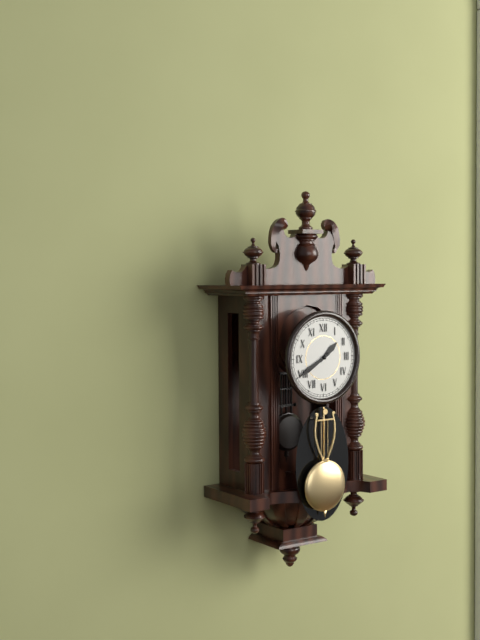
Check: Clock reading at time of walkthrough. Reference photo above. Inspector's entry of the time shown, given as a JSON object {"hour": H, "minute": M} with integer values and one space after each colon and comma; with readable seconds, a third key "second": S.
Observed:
{"hour": 1, "minute": 40}
